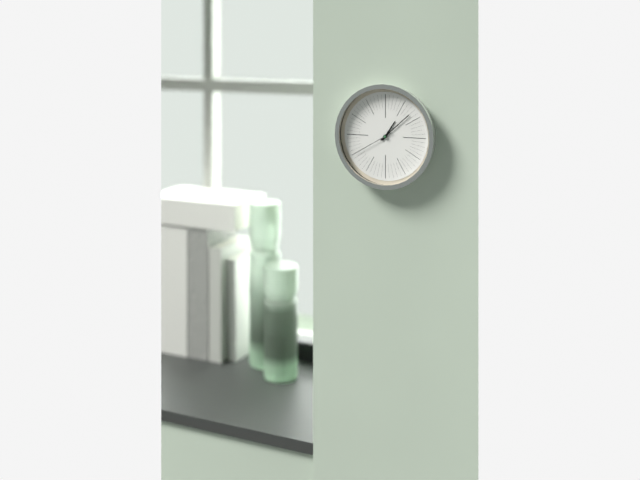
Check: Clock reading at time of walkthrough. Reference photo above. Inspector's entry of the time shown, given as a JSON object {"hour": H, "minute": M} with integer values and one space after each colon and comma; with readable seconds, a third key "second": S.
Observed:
{"hour": 1, "minute": 8}
